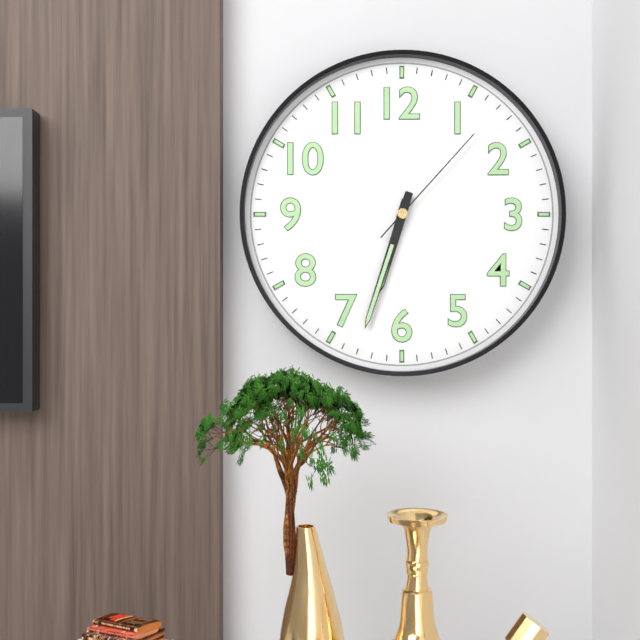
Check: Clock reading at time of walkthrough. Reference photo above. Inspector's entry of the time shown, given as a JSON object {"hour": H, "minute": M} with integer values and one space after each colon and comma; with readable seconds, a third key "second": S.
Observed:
{"hour": 6, "minute": 33, "second": 7}
